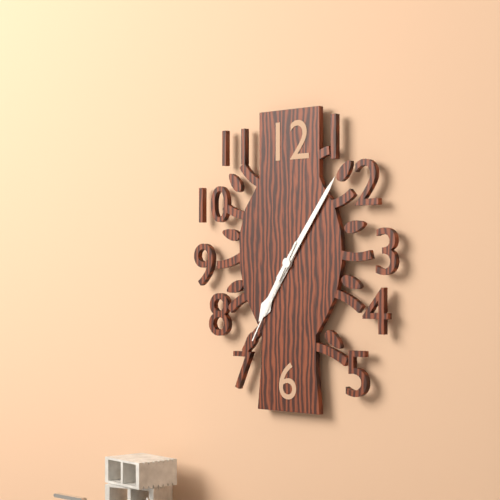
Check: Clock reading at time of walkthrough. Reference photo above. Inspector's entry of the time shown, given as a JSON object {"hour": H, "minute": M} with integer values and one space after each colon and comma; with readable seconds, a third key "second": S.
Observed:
{"hour": 7, "minute": 6, "second": 35}
